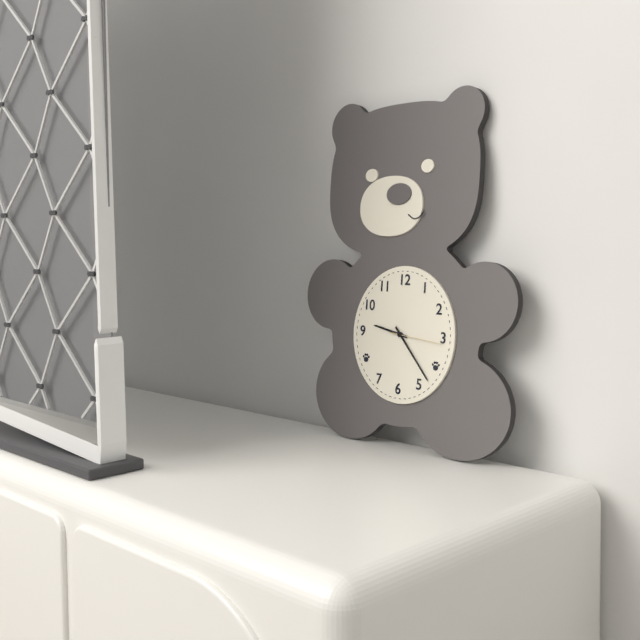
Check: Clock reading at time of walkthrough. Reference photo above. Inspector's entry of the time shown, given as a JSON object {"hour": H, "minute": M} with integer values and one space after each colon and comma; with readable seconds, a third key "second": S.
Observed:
{"hour": 9, "minute": 23, "second": 16}
